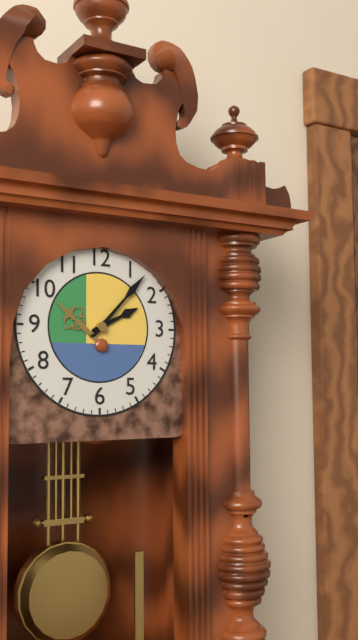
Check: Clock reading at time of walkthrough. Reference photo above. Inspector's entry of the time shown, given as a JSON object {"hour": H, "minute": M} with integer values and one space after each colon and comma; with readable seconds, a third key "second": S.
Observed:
{"hour": 2, "minute": 7}
